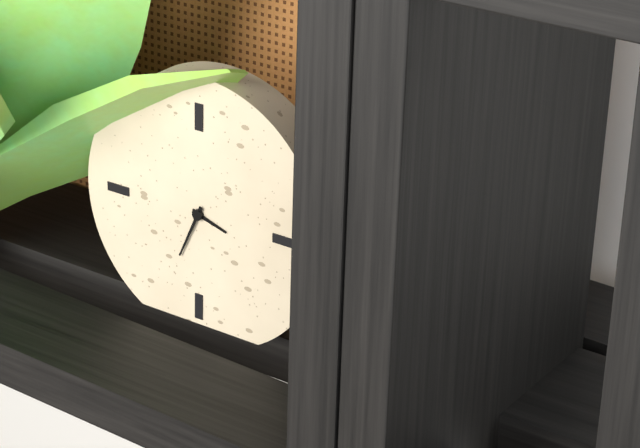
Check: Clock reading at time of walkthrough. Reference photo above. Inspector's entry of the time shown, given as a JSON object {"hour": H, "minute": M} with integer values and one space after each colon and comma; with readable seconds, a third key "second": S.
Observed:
{"hour": 3, "minute": 34}
